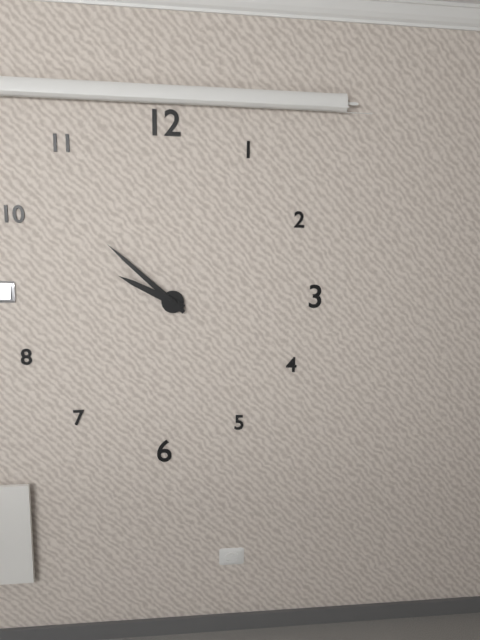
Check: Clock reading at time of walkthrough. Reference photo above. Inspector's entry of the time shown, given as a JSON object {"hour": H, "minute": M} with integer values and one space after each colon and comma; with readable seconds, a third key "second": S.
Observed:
{"hour": 9, "minute": 52}
